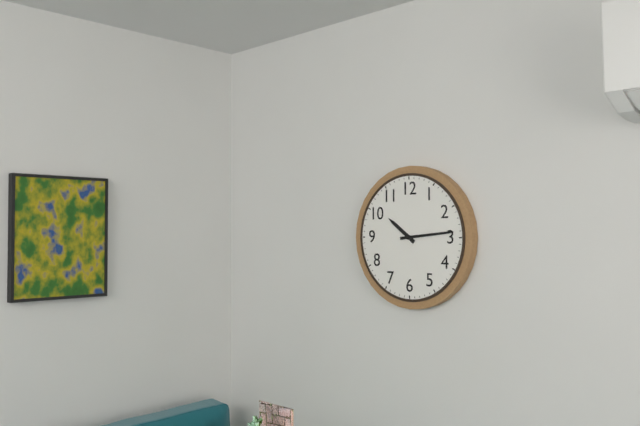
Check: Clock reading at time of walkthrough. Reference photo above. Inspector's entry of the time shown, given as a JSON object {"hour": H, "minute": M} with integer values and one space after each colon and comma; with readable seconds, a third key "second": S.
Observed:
{"hour": 10, "minute": 14}
